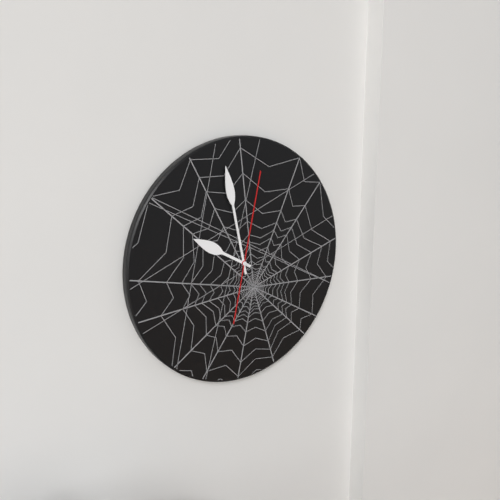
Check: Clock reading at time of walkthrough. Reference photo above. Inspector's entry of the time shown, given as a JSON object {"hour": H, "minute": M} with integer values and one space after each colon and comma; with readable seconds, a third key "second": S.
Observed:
{"hour": 9, "minute": 58, "second": 2}
